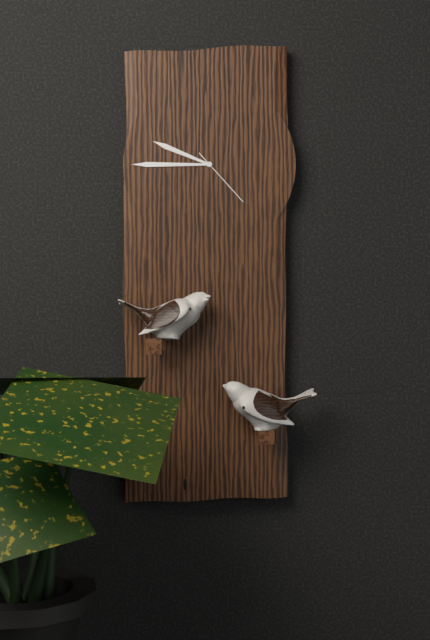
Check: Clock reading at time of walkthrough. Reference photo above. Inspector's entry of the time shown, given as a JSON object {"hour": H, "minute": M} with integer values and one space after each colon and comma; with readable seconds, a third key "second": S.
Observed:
{"hour": 9, "minute": 45, "second": 23}
